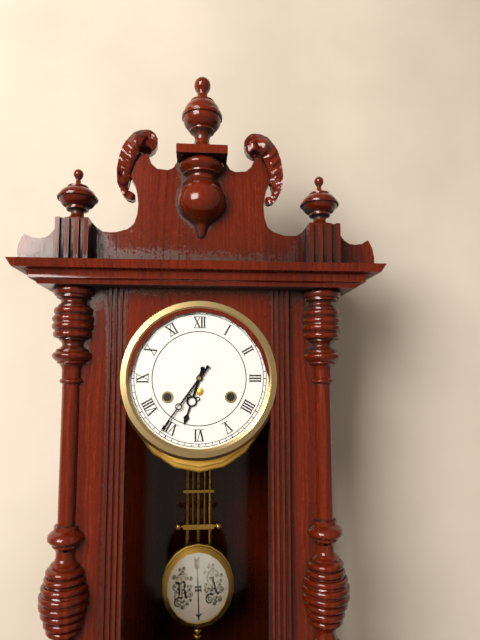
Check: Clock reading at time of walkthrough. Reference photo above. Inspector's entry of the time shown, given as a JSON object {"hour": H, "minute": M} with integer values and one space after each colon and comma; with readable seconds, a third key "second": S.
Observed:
{"hour": 6, "minute": 36}
